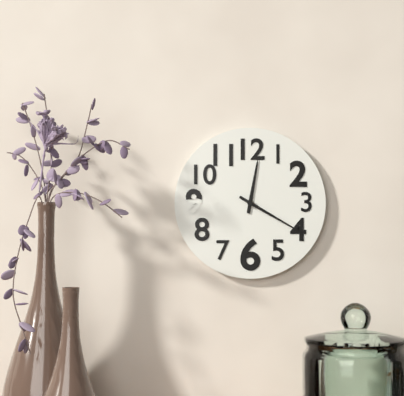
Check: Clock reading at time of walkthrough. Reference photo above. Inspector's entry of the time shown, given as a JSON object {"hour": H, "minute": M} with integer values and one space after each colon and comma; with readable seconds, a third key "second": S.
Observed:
{"hour": 12, "minute": 20}
